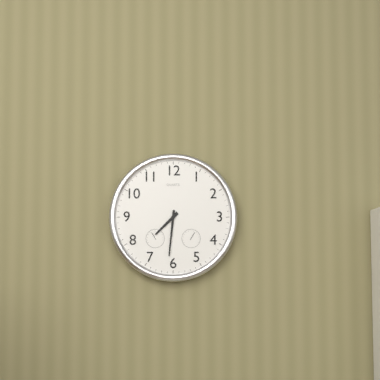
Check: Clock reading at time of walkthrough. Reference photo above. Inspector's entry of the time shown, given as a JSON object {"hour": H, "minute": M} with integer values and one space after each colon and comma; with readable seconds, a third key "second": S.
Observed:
{"hour": 7, "minute": 31}
